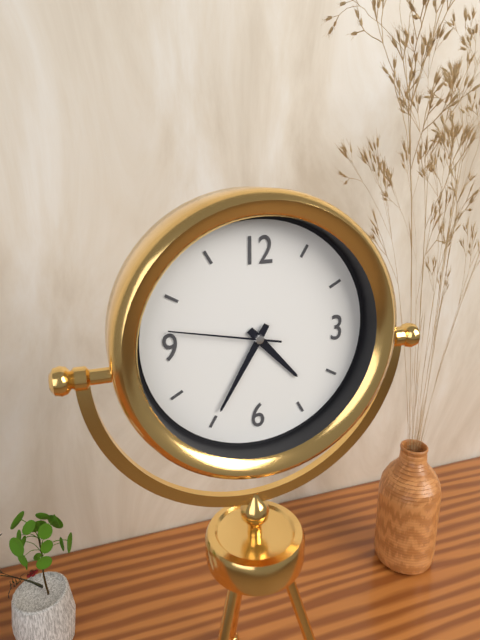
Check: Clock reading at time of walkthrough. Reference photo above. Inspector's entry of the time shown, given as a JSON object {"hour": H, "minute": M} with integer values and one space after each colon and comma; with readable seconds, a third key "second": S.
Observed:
{"hour": 4, "minute": 35, "second": 47}
